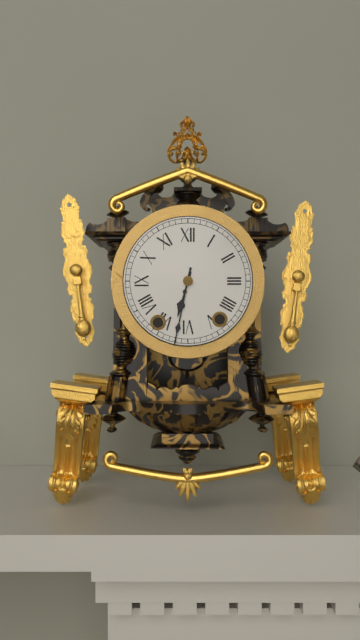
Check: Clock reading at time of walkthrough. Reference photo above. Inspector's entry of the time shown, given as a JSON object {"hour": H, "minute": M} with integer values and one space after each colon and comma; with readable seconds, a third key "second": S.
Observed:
{"hour": 6, "minute": 32}
